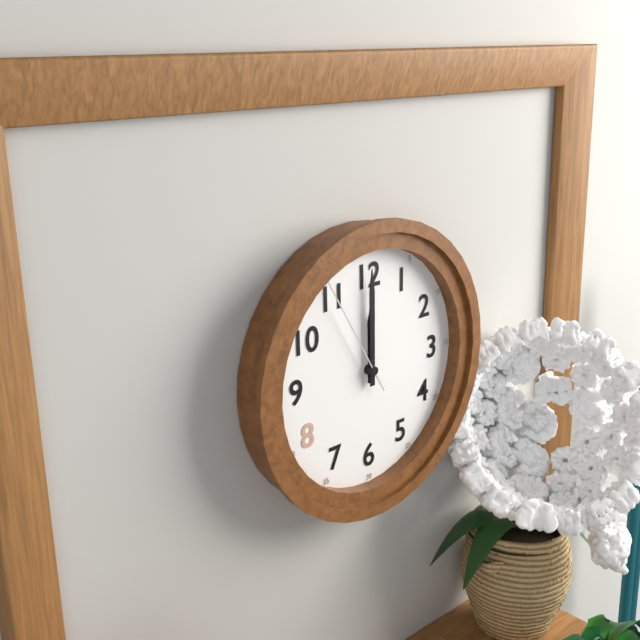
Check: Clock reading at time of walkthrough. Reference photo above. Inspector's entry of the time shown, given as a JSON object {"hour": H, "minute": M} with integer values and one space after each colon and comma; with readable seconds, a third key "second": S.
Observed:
{"hour": 12, "minute": 0, "second": 55}
